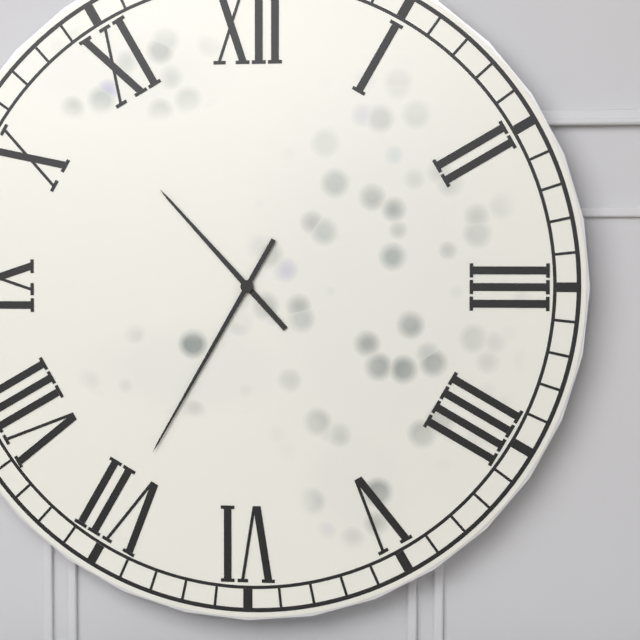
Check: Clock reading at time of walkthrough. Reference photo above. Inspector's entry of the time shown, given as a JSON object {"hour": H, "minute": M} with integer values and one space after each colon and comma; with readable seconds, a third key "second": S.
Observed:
{"hour": 10, "minute": 35}
